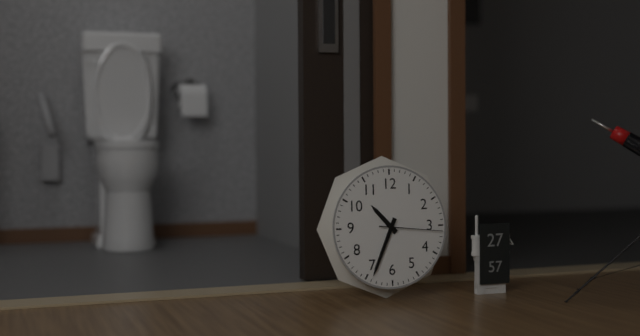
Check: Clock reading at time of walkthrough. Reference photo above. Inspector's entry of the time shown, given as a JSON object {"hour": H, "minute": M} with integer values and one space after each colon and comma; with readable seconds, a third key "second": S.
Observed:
{"hour": 10, "minute": 34, "second": 16}
